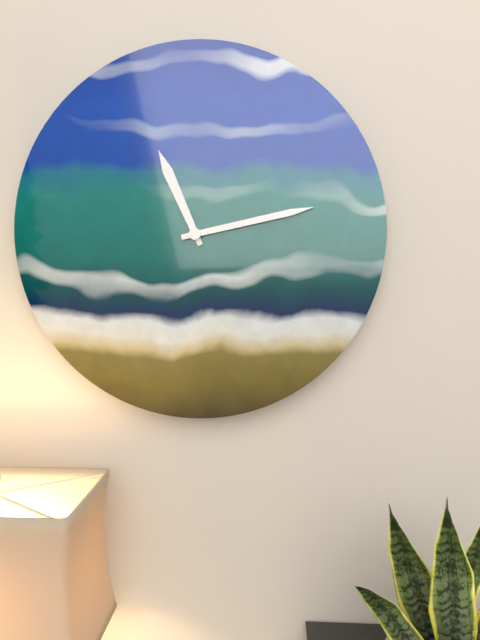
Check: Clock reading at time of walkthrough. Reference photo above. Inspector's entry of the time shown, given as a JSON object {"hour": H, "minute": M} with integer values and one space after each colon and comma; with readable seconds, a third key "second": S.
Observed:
{"hour": 11, "minute": 13}
